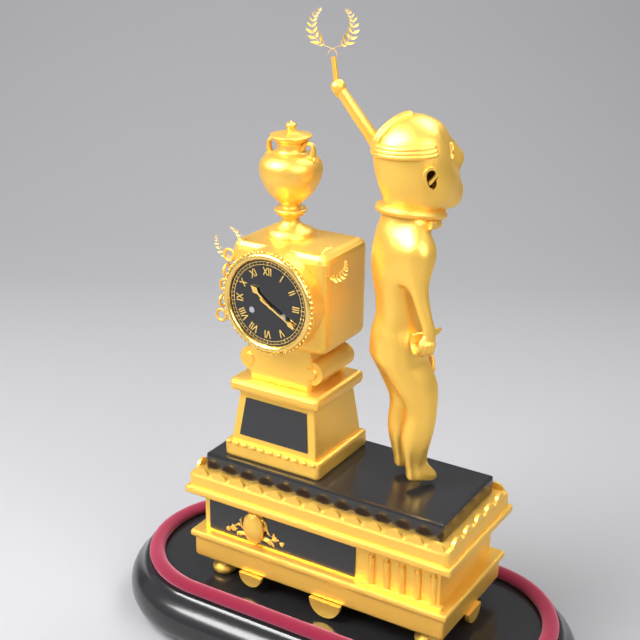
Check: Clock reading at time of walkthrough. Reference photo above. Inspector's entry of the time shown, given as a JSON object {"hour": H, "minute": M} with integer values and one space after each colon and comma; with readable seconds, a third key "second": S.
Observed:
{"hour": 10, "minute": 20}
